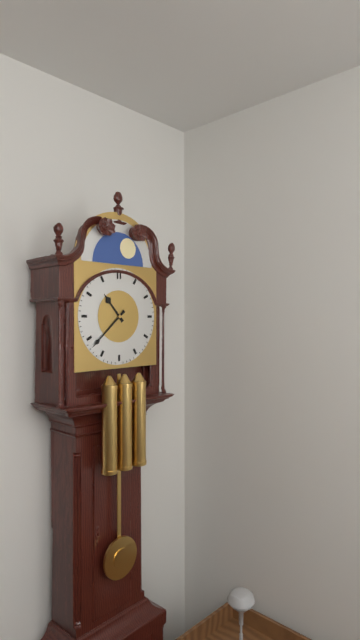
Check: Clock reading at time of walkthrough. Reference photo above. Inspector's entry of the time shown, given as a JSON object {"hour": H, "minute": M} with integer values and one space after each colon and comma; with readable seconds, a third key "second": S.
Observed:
{"hour": 10, "minute": 38}
